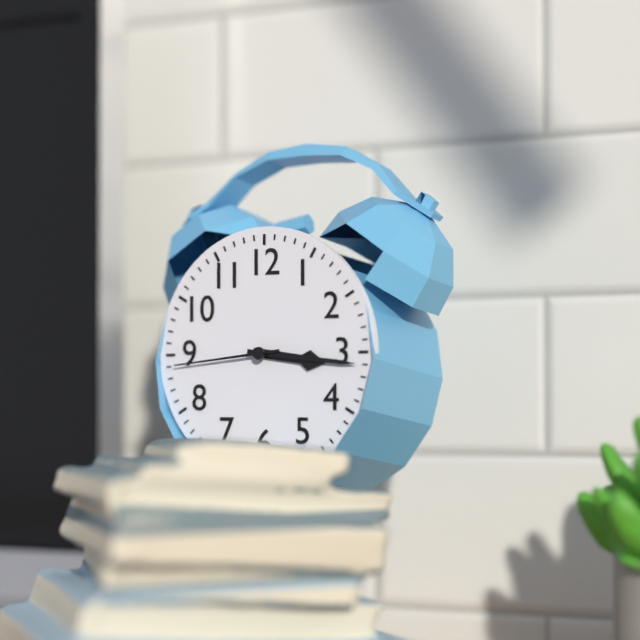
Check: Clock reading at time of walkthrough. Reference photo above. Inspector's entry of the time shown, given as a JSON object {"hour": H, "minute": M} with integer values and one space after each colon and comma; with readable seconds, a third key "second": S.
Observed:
{"hour": 3, "minute": 16, "second": 44}
